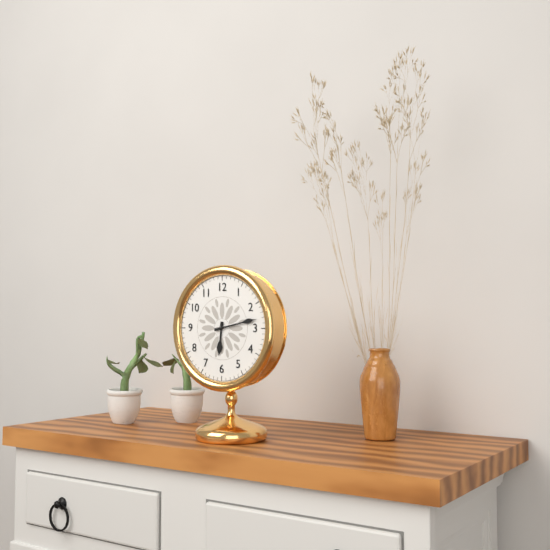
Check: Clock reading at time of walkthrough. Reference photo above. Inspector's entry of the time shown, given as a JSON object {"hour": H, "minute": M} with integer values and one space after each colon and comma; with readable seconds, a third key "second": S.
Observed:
{"hour": 6, "minute": 13}
